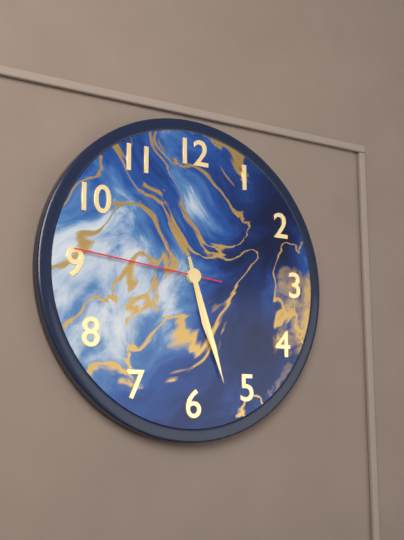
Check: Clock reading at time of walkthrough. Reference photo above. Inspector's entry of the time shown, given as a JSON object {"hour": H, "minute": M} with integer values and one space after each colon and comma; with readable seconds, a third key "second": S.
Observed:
{"hour": 5, "minute": 27, "second": 46}
